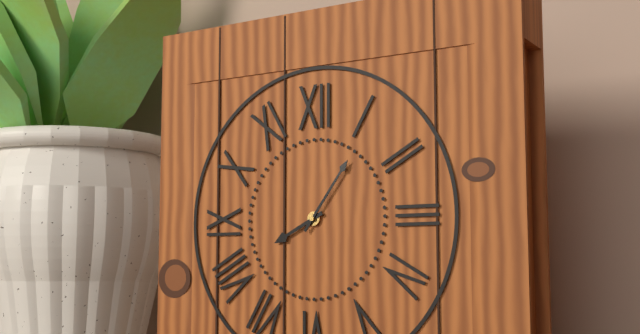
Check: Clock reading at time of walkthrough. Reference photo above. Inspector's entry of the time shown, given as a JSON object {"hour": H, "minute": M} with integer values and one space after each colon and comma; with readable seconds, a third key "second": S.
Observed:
{"hour": 8, "minute": 6}
